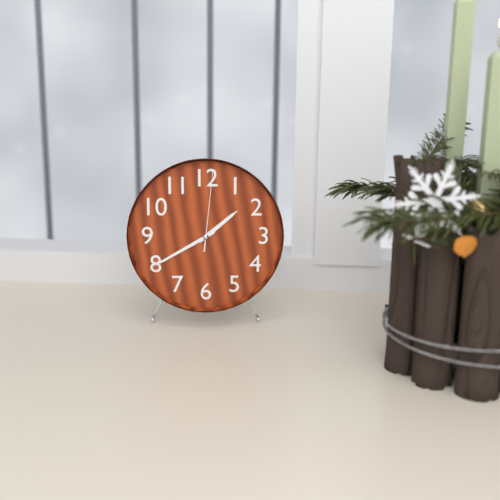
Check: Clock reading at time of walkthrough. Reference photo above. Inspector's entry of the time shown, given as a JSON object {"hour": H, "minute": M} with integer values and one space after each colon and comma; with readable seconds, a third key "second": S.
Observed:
{"hour": 1, "minute": 40, "second": 1}
